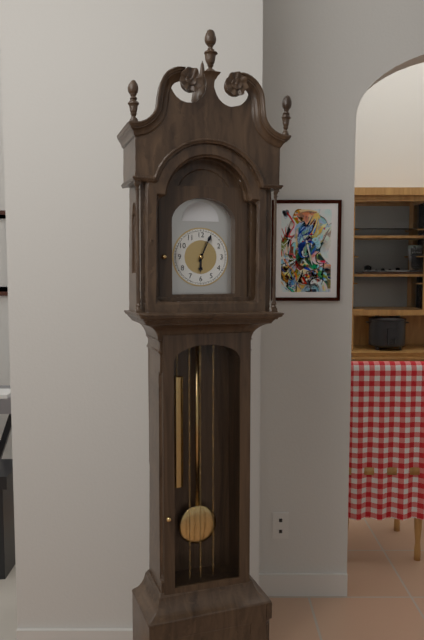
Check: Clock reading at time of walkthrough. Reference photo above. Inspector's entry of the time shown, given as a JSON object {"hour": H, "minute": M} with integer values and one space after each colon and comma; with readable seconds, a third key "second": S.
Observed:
{"hour": 6, "minute": 4}
